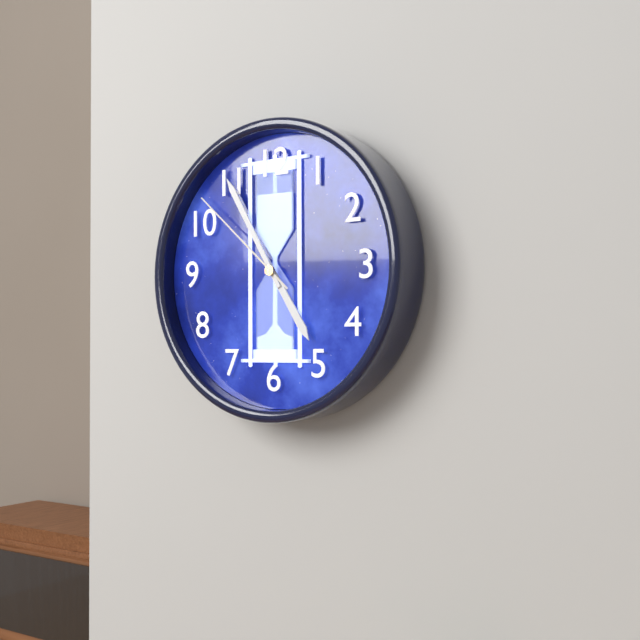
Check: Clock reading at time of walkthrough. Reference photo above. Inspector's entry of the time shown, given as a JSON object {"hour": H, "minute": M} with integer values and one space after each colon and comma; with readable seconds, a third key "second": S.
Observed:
{"hour": 4, "minute": 55, "second": 52}
